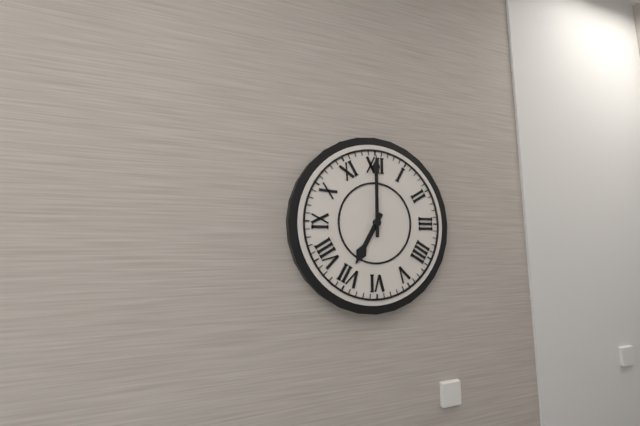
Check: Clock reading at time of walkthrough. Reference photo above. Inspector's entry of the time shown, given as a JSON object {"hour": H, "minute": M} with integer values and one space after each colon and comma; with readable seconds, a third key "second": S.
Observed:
{"hour": 7, "minute": 0}
